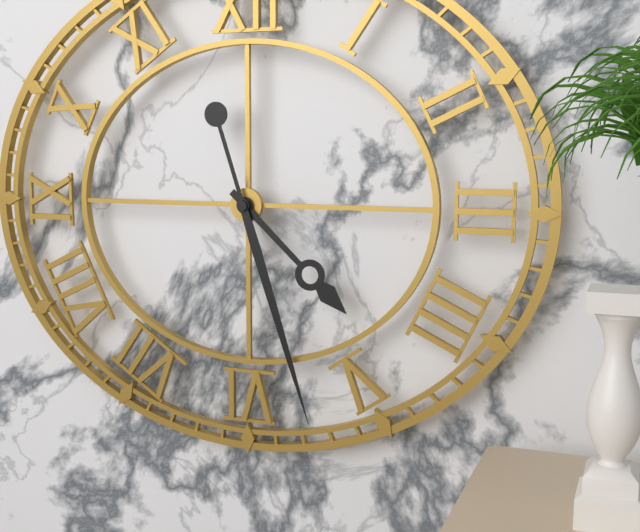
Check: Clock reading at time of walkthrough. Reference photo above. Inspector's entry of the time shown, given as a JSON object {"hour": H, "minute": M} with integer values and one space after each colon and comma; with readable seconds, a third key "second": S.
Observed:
{"hour": 4, "minute": 27}
